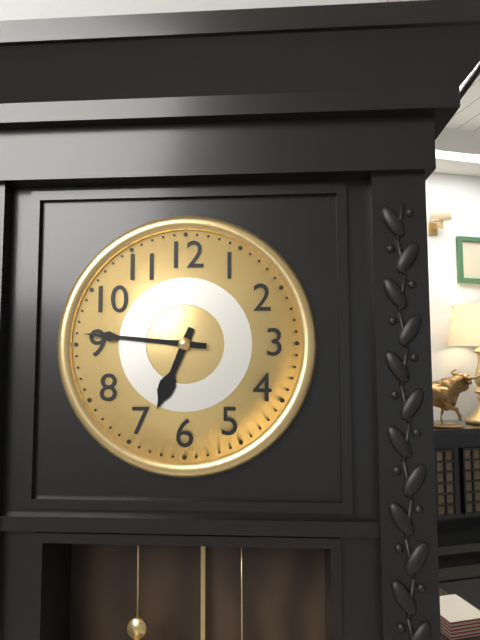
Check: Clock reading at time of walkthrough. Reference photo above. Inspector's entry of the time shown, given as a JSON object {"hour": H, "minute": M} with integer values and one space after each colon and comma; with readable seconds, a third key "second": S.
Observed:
{"hour": 6, "minute": 46}
